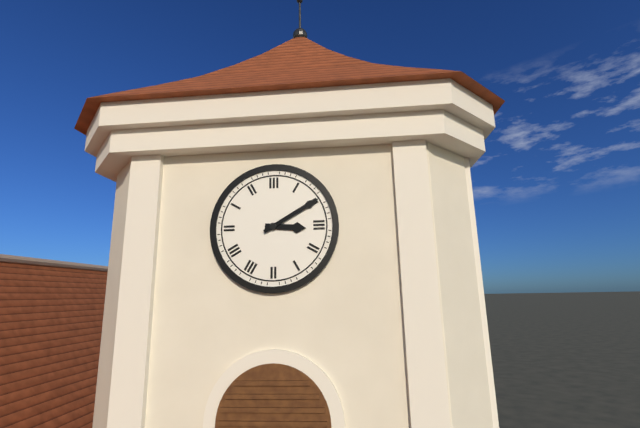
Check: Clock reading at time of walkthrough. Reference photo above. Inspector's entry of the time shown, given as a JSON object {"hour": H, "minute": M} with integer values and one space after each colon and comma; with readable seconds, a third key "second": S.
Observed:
{"hour": 3, "minute": 10}
